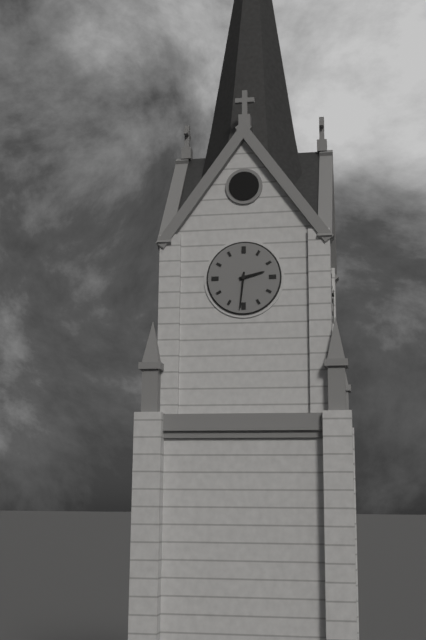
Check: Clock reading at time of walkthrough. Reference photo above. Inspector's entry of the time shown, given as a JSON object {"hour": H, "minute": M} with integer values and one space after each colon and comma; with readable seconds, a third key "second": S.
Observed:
{"hour": 2, "minute": 31}
